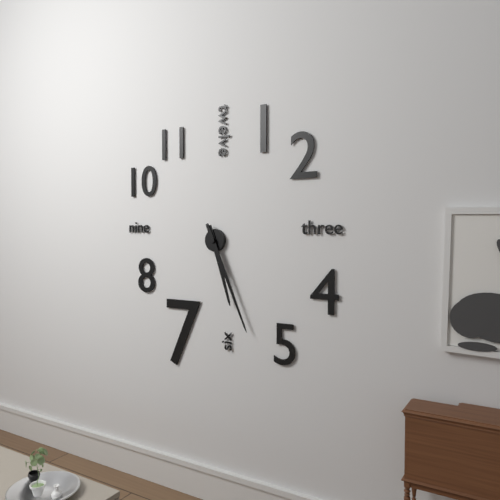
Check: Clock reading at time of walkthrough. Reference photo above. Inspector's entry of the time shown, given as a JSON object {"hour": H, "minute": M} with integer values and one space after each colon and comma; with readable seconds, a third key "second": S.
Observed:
{"hour": 5, "minute": 26}
